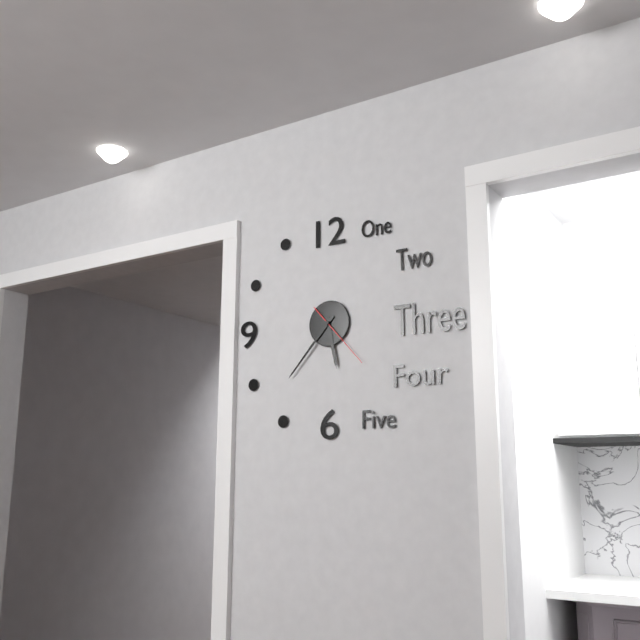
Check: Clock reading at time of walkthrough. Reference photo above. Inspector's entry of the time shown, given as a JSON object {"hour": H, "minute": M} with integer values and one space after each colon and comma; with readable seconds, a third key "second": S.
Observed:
{"hour": 5, "minute": 37, "second": 23}
